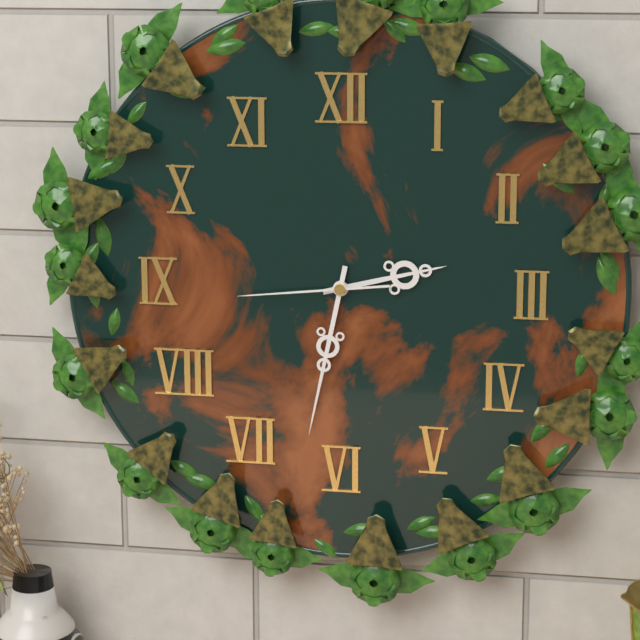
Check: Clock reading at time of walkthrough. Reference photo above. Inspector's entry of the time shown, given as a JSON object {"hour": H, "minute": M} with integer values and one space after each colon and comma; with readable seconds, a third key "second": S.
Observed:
{"hour": 2, "minute": 32, "second": 44}
